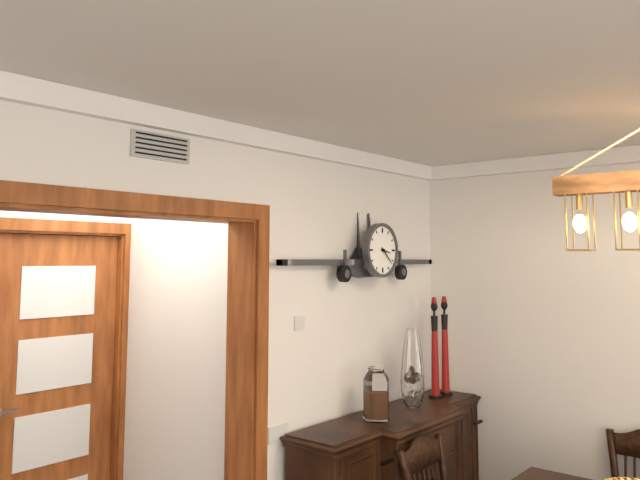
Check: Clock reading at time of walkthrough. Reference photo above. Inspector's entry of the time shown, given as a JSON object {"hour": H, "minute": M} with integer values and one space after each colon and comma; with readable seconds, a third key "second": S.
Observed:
{"hour": 3, "minute": 22}
